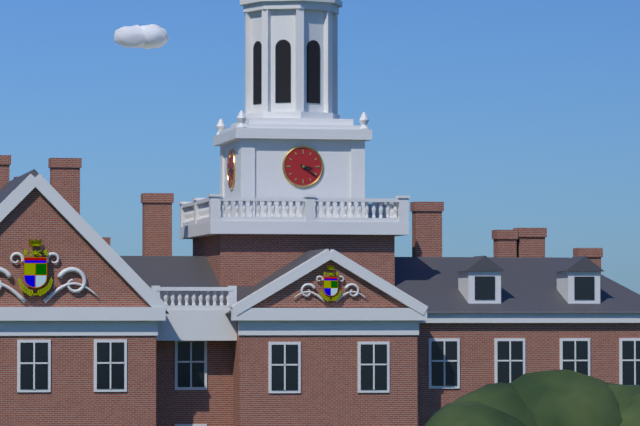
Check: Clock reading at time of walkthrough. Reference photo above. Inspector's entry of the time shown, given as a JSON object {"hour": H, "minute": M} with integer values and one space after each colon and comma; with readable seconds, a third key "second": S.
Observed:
{"hour": 3, "minute": 21}
